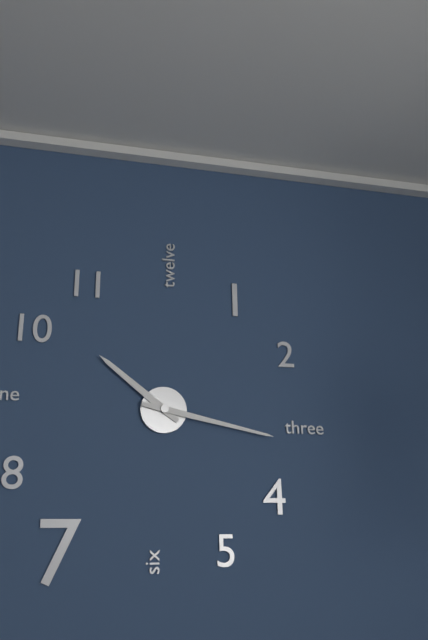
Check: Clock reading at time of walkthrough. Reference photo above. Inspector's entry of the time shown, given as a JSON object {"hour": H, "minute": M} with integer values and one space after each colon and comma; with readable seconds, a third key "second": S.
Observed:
{"hour": 10, "minute": 17}
